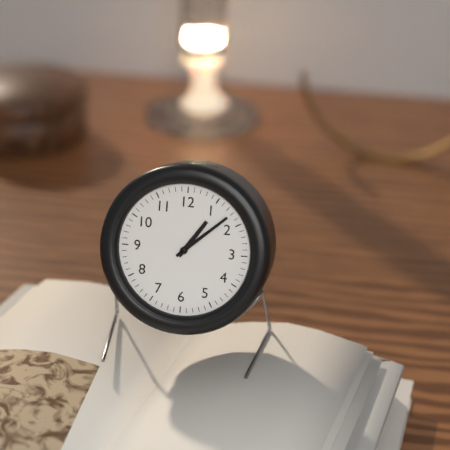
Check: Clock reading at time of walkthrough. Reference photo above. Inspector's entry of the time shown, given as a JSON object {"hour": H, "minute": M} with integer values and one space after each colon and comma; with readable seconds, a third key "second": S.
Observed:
{"hour": 1, "minute": 8}
